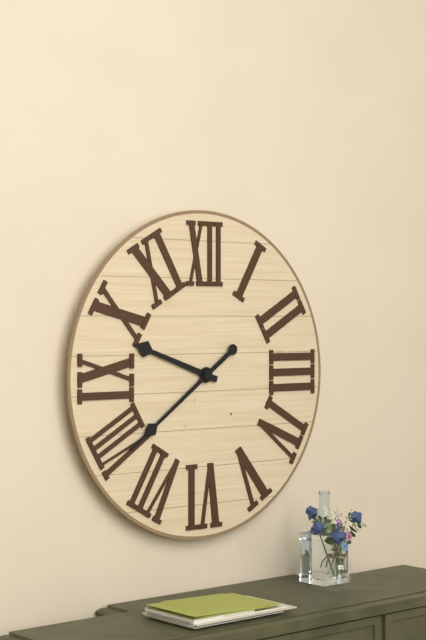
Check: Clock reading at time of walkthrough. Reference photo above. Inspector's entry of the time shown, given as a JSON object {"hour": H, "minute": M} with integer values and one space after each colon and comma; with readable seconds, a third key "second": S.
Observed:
{"hour": 9, "minute": 39}
